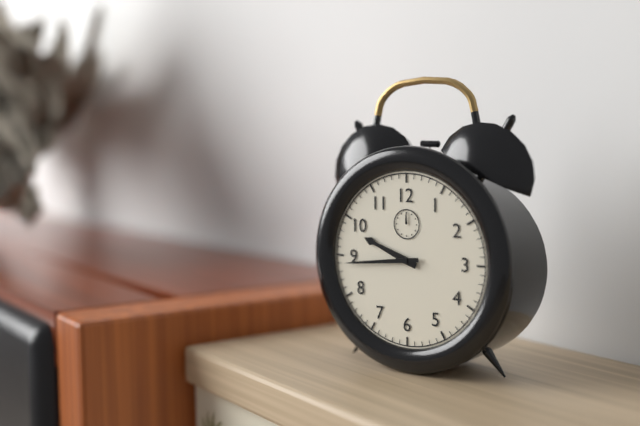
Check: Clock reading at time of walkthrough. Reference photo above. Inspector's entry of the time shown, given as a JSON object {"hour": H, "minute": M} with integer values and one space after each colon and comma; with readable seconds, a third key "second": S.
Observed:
{"hour": 9, "minute": 44}
